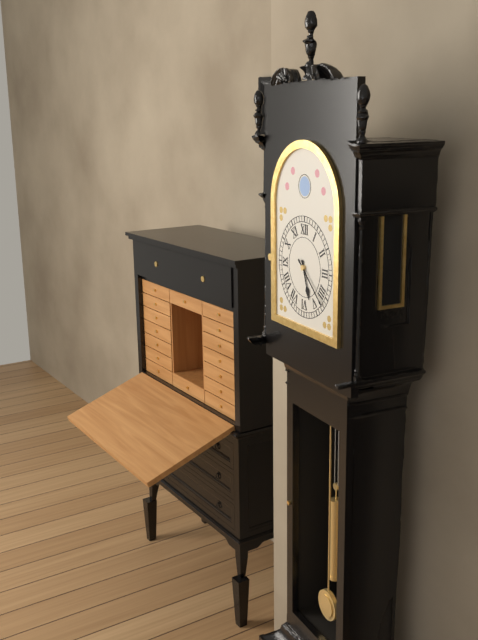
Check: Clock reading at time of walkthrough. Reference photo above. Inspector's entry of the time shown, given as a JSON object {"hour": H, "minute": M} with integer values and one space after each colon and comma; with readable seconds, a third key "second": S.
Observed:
{"hour": 5, "minute": 22}
